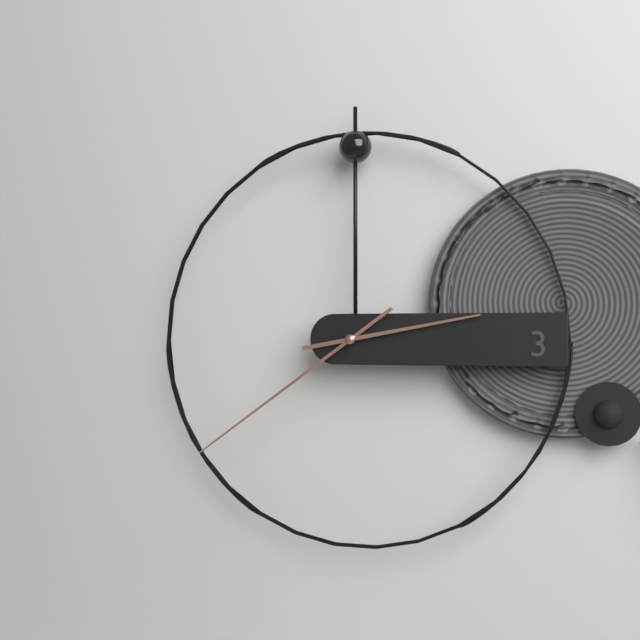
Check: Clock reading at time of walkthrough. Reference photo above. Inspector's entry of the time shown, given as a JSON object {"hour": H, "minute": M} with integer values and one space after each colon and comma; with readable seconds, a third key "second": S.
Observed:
{"hour": 2, "minute": 39}
